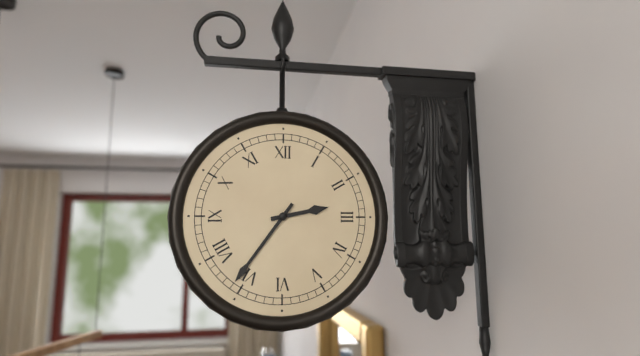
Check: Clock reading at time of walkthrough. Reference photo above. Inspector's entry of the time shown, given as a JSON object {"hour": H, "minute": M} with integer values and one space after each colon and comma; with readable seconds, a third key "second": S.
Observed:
{"hour": 2, "minute": 36}
